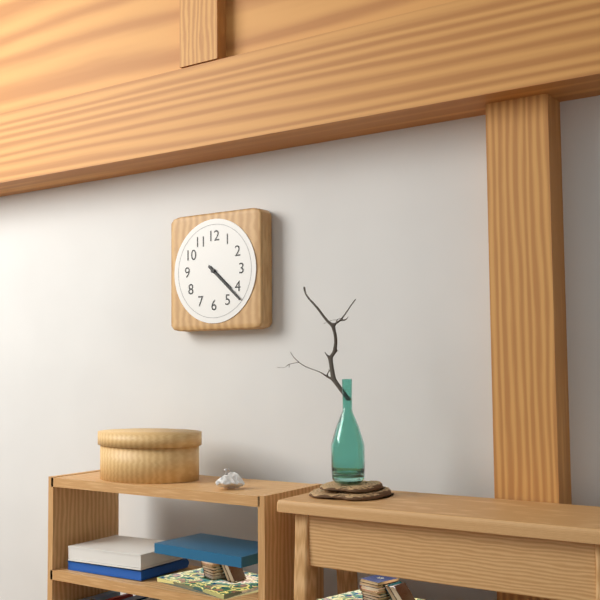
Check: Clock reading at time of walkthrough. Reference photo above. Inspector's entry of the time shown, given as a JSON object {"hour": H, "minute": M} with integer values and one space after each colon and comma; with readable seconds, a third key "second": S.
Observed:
{"hour": 4, "minute": 22}
